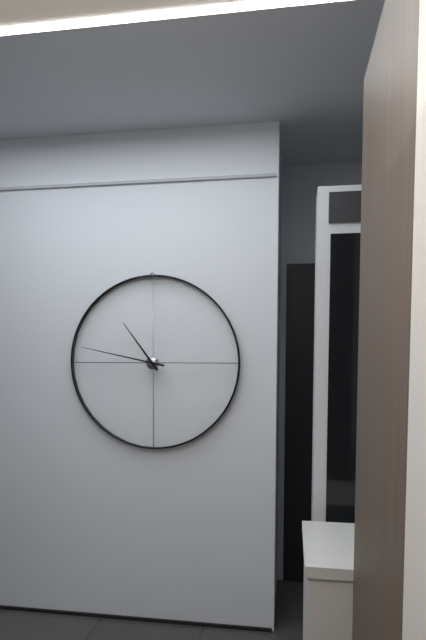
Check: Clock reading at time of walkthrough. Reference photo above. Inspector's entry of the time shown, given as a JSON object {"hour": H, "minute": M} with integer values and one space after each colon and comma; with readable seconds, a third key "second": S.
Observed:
{"hour": 10, "minute": 47}
